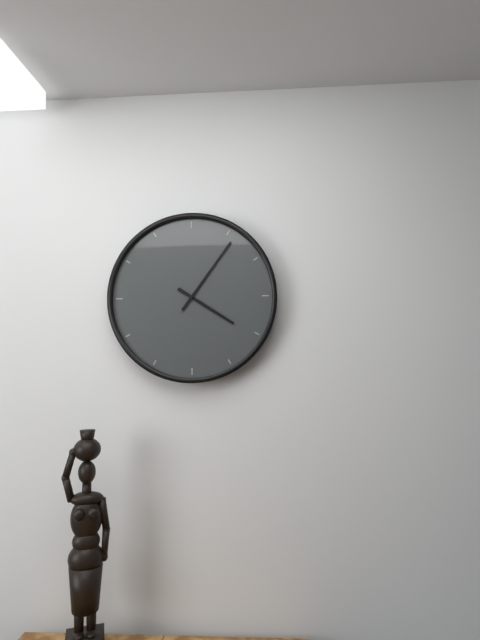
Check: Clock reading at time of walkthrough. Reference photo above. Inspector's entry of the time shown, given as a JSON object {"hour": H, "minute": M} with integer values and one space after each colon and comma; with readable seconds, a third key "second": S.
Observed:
{"hour": 4, "minute": 6}
